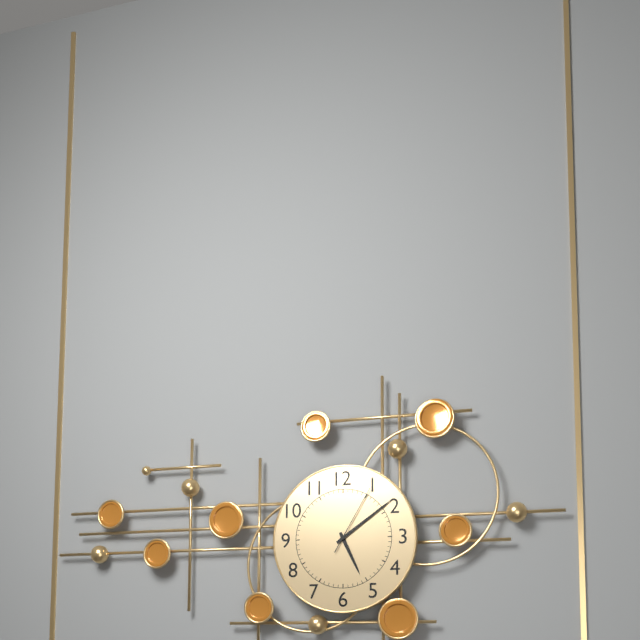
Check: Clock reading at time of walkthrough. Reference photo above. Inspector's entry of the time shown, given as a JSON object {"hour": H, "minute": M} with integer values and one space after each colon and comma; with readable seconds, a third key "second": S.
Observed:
{"hour": 5, "minute": 9, "second": 5}
